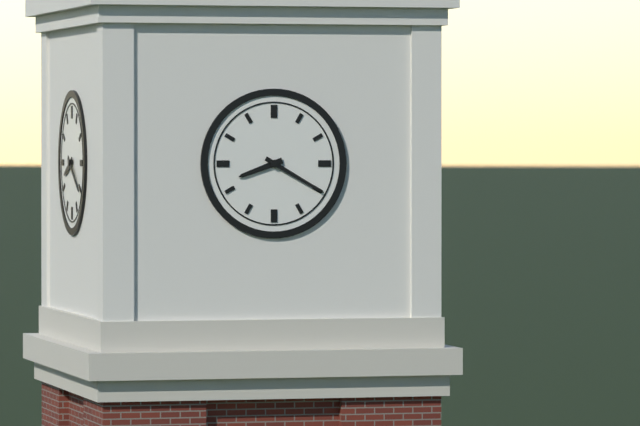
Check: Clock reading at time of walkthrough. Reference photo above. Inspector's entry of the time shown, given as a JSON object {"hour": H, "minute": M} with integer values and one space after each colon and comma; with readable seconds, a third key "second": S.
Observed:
{"hour": 8, "minute": 20}
